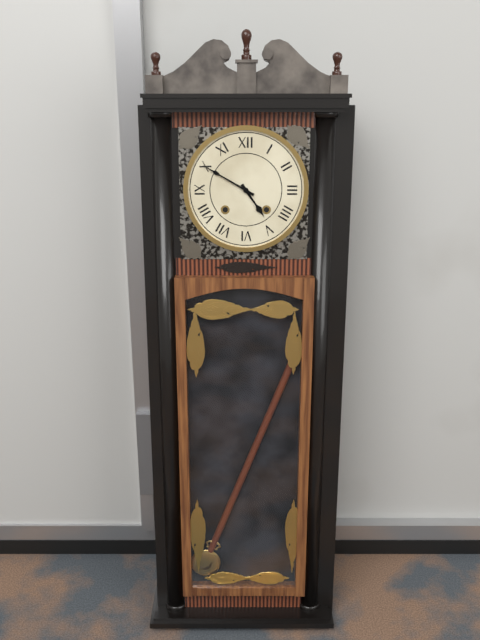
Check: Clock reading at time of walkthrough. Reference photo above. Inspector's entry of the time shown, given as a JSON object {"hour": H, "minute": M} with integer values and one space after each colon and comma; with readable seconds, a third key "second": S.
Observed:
{"hour": 4, "minute": 50}
